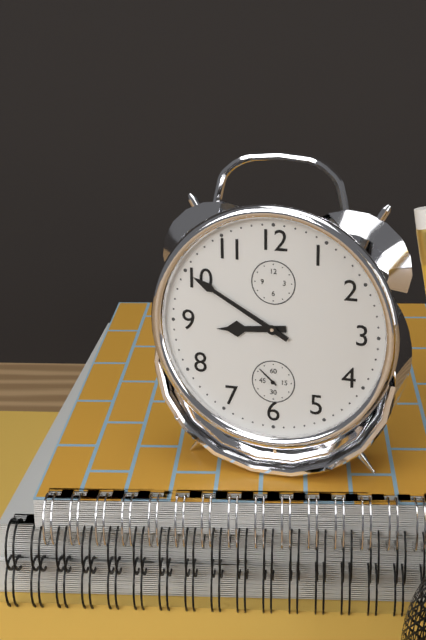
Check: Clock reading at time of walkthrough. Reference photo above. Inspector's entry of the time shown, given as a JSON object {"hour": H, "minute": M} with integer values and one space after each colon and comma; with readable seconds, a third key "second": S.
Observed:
{"hour": 8, "minute": 50}
